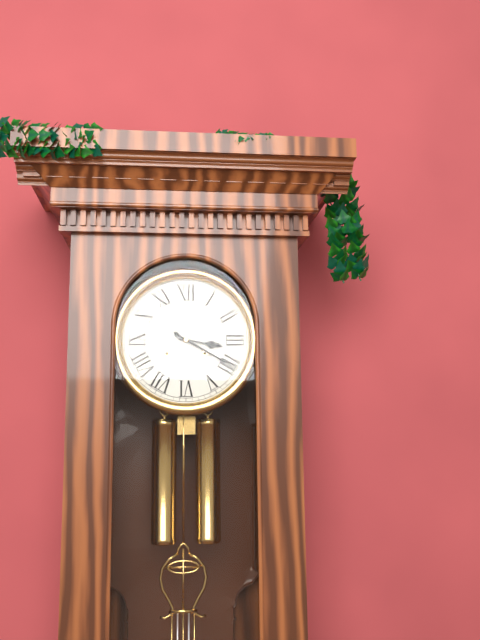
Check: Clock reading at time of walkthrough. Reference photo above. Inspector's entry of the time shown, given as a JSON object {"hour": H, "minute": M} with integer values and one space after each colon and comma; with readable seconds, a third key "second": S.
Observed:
{"hour": 3, "minute": 20}
